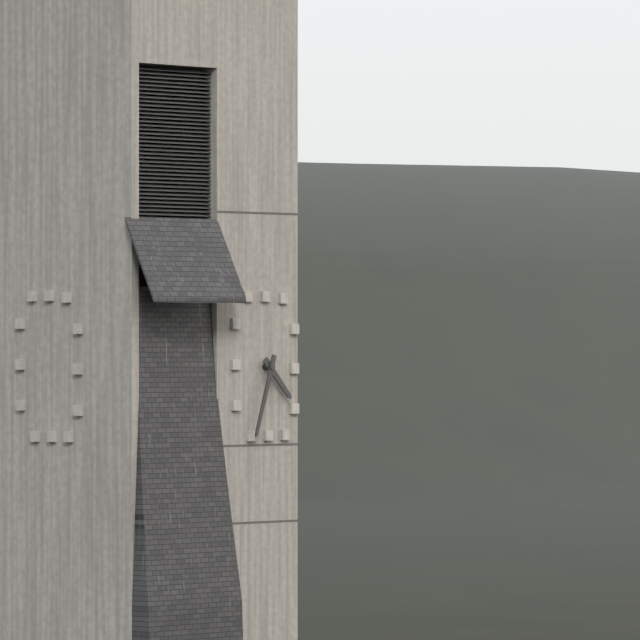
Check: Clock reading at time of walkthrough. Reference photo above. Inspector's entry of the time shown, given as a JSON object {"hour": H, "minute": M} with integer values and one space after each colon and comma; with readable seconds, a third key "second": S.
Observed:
{"hour": 4, "minute": 33}
